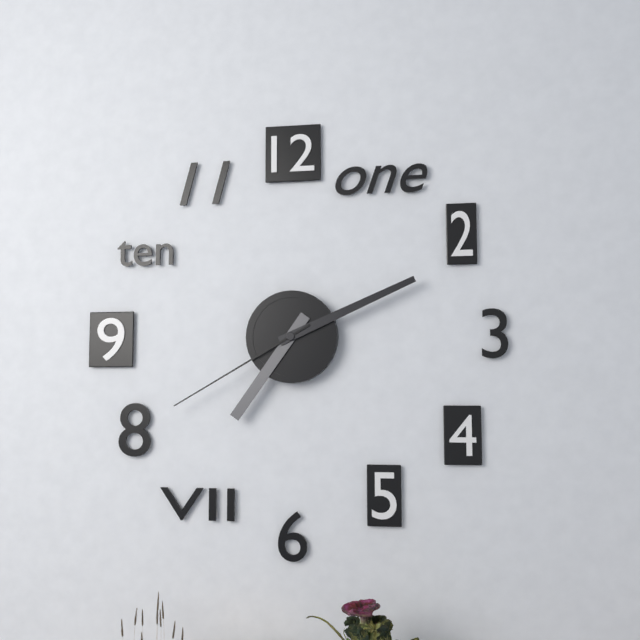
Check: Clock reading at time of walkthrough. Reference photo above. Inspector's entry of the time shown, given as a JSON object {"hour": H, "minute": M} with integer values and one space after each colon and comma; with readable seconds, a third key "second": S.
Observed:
{"hour": 7, "minute": 11, "second": 40}
